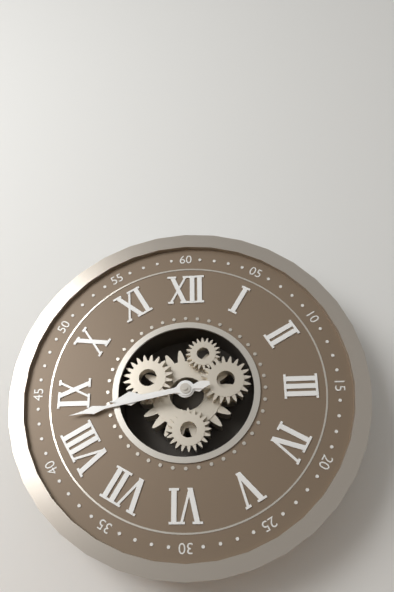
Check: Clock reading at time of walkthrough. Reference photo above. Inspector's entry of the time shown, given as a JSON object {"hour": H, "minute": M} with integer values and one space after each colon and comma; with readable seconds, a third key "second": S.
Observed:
{"hour": 8, "minute": 43}
